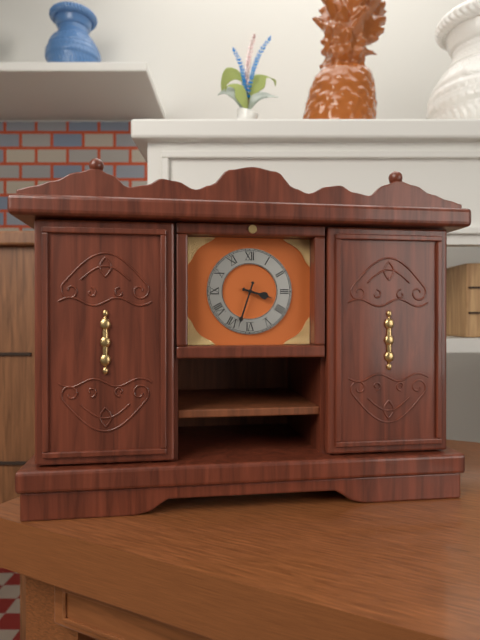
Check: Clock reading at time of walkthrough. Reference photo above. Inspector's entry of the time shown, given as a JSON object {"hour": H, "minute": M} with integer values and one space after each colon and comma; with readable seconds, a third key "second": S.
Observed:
{"hour": 3, "minute": 33}
